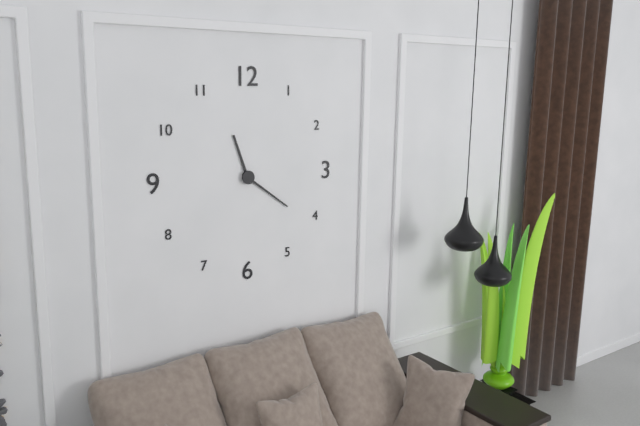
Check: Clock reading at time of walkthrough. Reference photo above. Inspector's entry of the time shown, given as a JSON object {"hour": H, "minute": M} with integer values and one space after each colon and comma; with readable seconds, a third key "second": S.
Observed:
{"hour": 11, "minute": 21}
